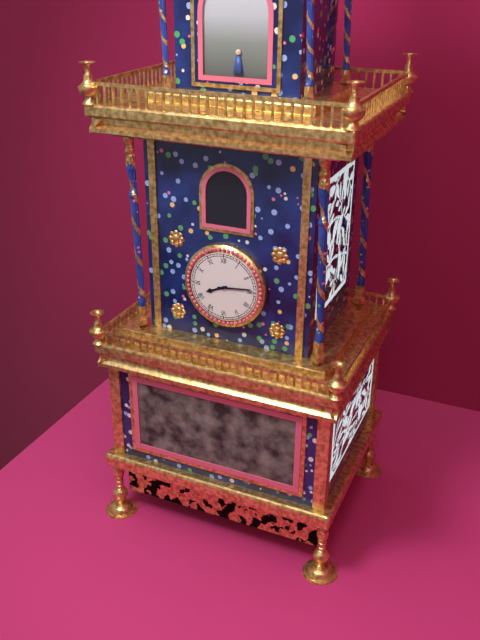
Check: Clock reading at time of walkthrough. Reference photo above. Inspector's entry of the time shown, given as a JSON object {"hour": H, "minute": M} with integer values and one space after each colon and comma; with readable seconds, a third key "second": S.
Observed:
{"hour": 8, "minute": 14}
